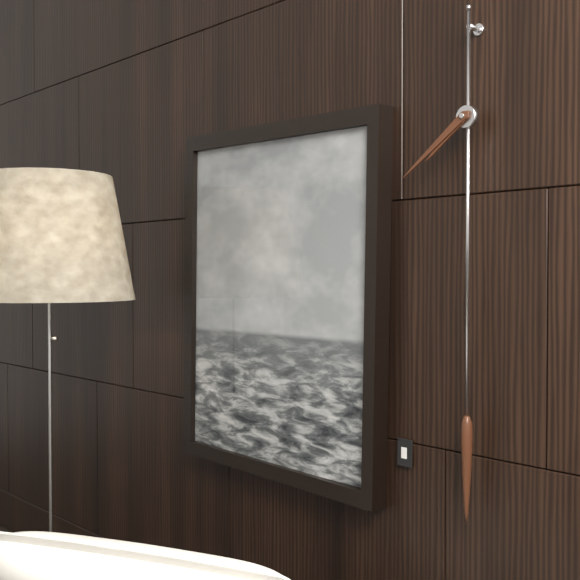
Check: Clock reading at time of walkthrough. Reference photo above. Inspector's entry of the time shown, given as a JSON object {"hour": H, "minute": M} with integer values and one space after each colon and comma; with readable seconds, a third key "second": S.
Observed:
{"hour": 7, "minute": 39}
